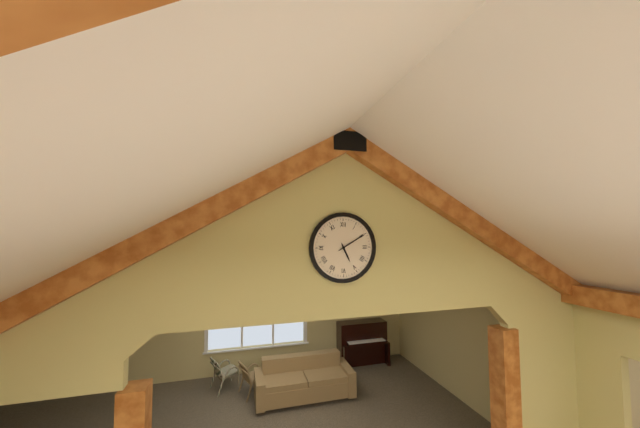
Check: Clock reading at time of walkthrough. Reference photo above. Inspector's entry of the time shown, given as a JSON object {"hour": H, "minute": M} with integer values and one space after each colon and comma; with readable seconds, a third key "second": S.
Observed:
{"hour": 5, "minute": 10}
